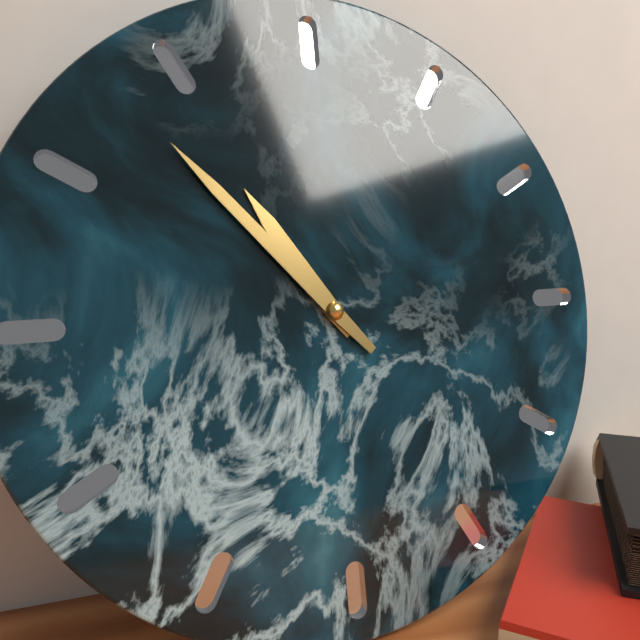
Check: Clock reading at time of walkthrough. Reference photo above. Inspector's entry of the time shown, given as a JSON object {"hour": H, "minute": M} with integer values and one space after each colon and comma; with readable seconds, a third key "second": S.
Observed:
{"hour": 10, "minute": 53}
